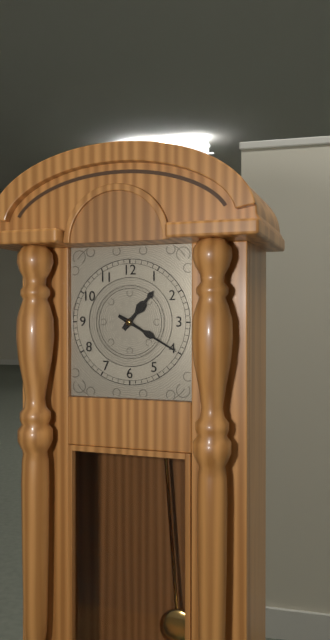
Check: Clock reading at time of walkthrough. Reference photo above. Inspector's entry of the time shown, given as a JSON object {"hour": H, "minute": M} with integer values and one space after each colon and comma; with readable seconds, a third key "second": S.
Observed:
{"hour": 1, "minute": 20}
